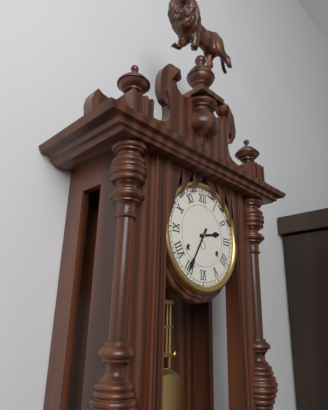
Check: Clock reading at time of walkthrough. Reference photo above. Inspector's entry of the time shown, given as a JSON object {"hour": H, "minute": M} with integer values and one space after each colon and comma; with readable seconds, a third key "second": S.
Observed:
{"hour": 2, "minute": 35}
